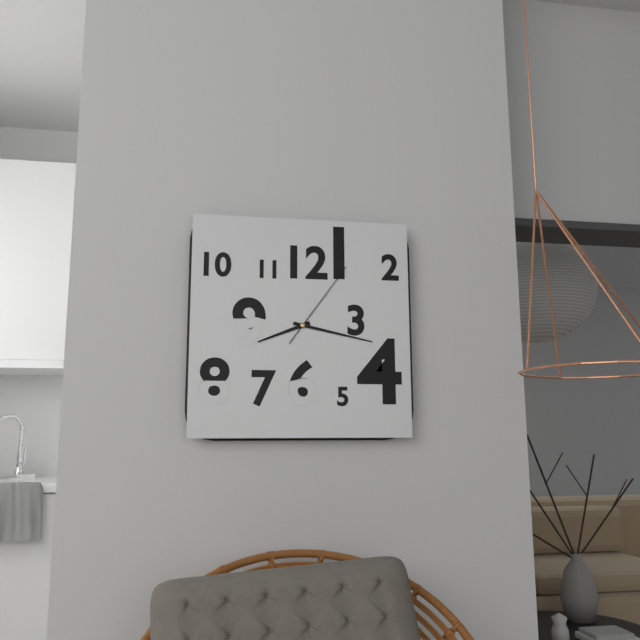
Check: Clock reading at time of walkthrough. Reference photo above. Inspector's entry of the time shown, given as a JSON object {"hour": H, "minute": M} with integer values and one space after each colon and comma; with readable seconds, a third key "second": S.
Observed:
{"hour": 8, "minute": 17, "second": 6}
